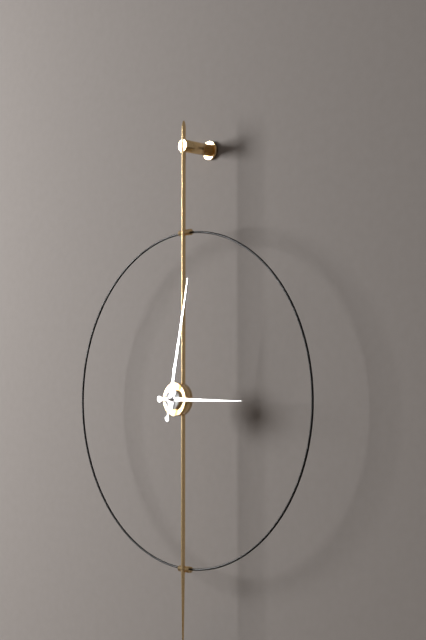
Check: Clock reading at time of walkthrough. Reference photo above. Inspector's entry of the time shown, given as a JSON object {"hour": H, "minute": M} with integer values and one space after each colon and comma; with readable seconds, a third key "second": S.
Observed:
{"hour": 3, "minute": 2}
